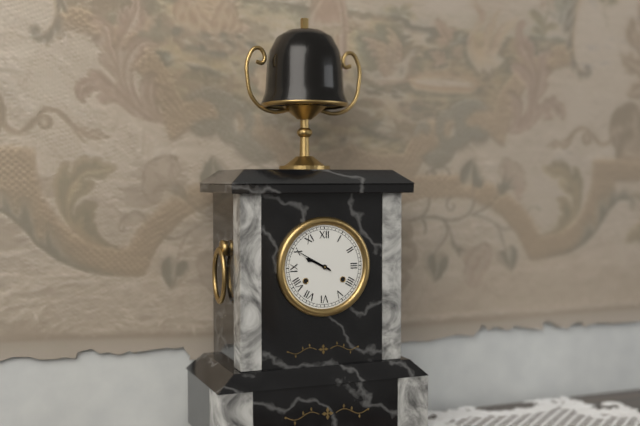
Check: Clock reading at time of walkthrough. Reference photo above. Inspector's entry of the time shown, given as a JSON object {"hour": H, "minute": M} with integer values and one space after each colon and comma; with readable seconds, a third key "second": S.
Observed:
{"hour": 9, "minute": 50}
